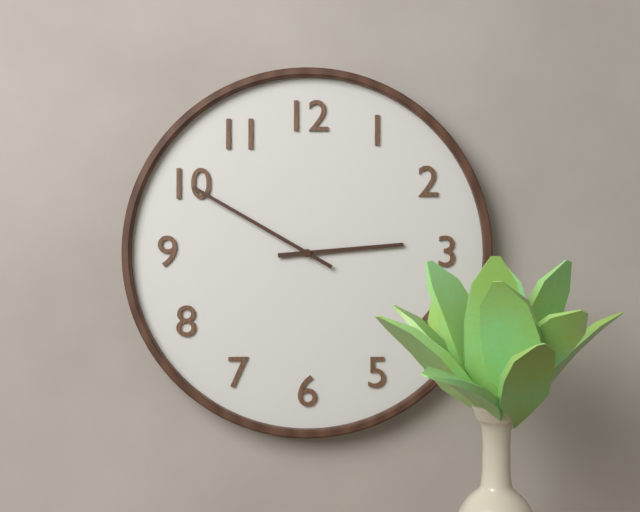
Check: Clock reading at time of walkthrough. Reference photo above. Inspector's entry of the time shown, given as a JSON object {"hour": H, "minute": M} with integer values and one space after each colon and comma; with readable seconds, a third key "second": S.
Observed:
{"hour": 2, "minute": 50}
